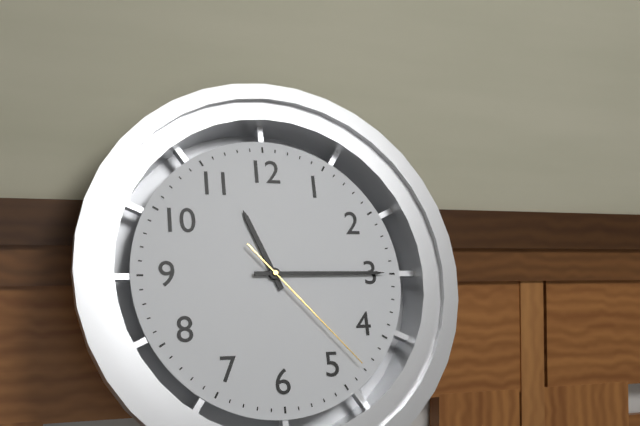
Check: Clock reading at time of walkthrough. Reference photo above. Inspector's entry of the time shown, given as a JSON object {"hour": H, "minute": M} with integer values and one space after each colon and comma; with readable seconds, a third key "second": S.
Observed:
{"hour": 11, "minute": 15, "second": 23}
